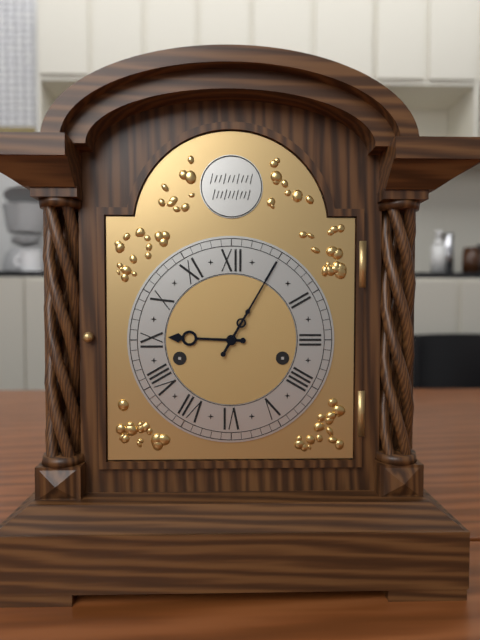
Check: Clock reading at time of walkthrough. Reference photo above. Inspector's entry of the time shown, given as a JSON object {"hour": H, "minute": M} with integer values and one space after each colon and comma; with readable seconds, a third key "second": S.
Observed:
{"hour": 9, "minute": 5}
